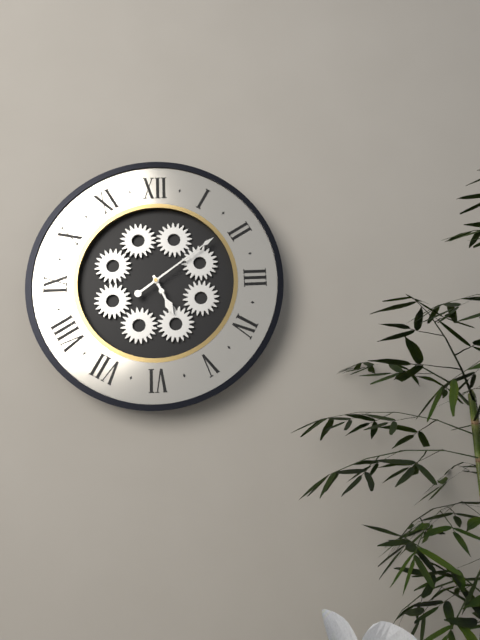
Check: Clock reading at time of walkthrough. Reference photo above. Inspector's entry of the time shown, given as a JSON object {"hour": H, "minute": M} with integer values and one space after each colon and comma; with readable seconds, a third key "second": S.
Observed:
{"hour": 5, "minute": 9}
